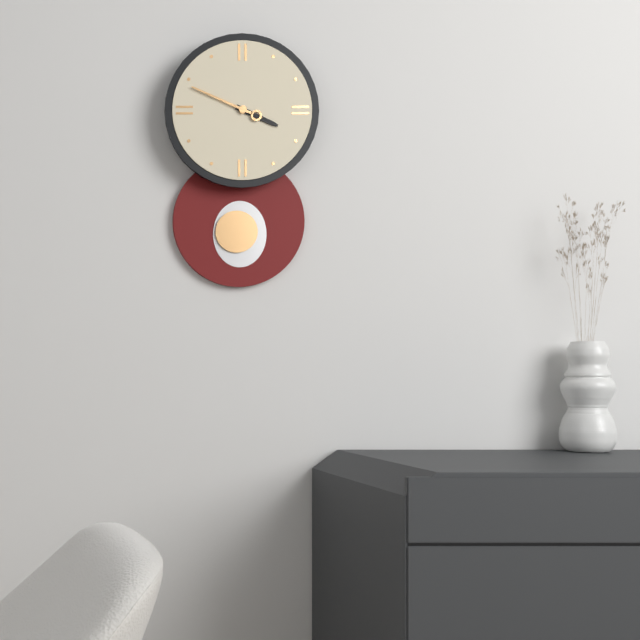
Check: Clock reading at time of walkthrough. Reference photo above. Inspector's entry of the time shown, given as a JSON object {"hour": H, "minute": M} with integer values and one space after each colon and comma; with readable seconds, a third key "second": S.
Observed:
{"hour": 3, "minute": 49}
